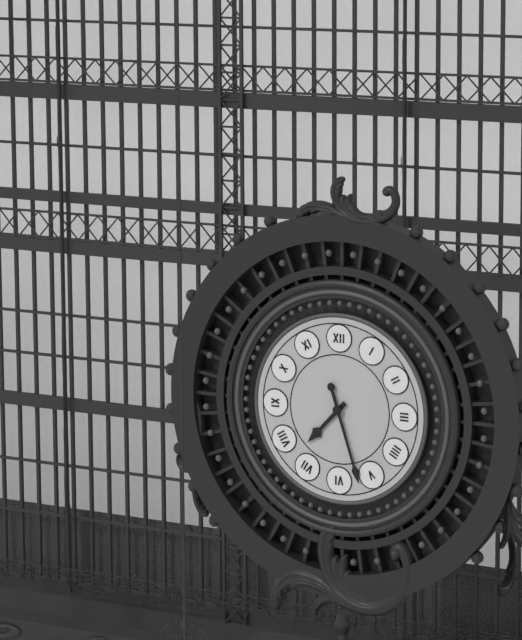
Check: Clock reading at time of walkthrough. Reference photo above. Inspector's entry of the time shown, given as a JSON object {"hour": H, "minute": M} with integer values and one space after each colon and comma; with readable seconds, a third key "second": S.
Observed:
{"hour": 7, "minute": 27}
